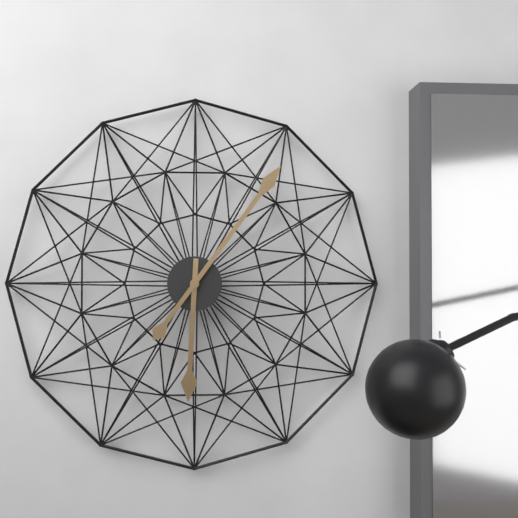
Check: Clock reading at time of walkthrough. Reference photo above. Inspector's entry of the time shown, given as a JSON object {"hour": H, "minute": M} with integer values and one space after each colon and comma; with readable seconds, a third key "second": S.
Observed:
{"hour": 6, "minute": 6}
